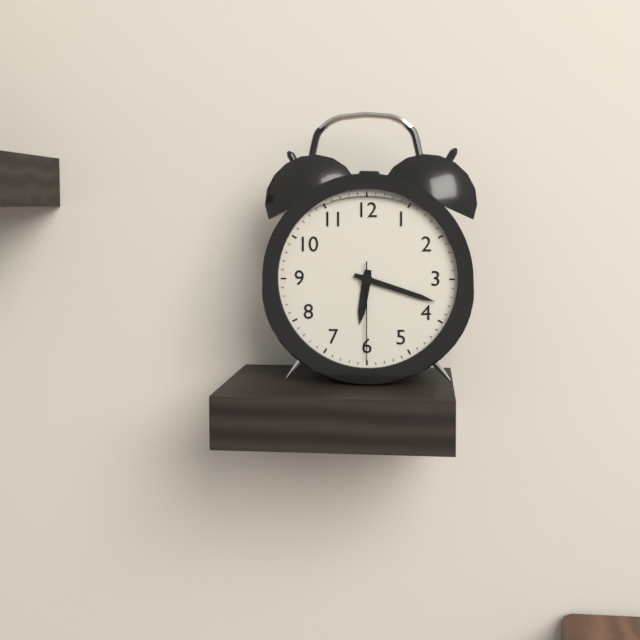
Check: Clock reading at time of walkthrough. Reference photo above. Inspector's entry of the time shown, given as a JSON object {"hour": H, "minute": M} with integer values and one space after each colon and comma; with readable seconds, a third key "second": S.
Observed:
{"hour": 6, "minute": 18, "second": 30}
